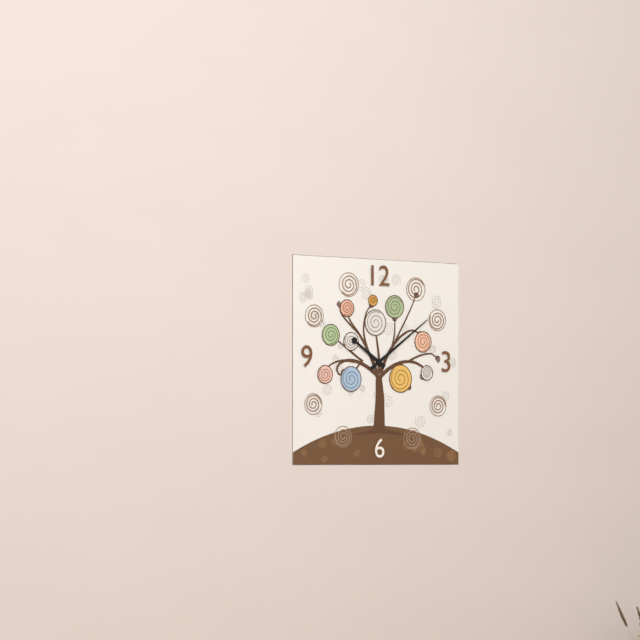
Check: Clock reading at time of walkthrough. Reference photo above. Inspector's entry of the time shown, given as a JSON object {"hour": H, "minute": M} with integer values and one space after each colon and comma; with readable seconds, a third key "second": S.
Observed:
{"hour": 10, "minute": 9}
